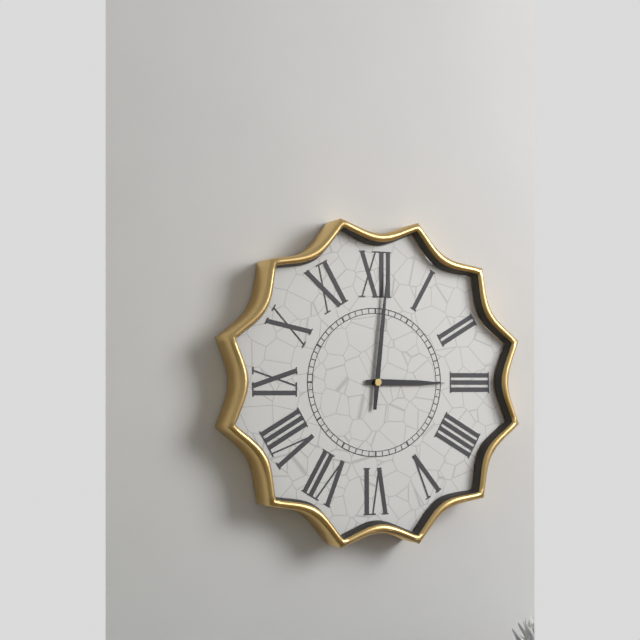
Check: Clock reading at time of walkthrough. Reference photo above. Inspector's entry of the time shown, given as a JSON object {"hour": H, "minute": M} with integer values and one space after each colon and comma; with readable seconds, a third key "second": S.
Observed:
{"hour": 3, "minute": 1}
